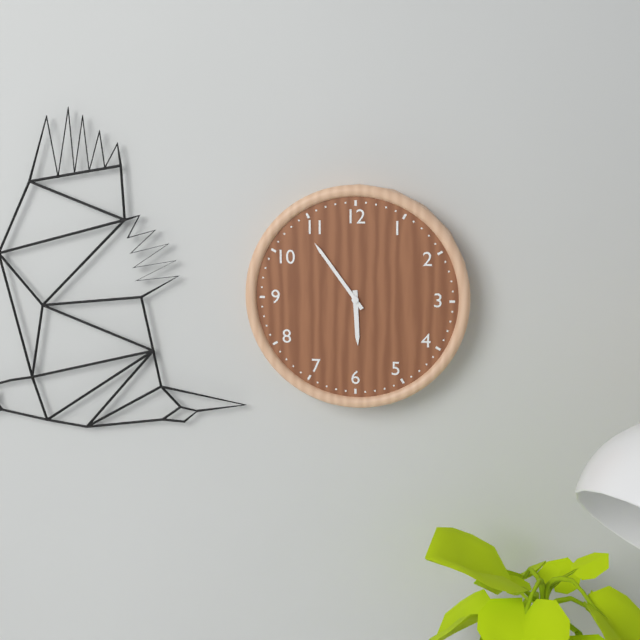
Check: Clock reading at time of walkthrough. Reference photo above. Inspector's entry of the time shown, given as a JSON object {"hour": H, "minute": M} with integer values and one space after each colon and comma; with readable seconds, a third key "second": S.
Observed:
{"hour": 5, "minute": 54}
